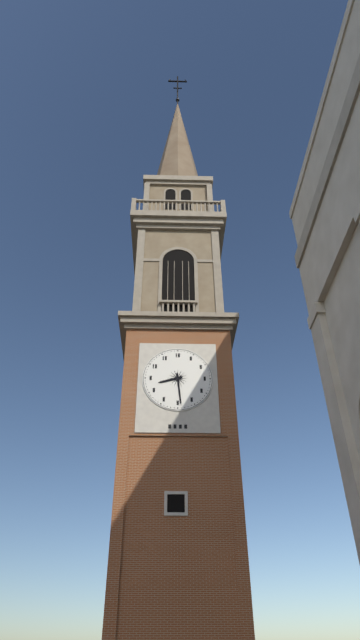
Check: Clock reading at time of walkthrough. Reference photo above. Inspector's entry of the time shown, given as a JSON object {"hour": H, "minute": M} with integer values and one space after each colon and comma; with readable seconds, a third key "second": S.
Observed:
{"hour": 8, "minute": 29}
